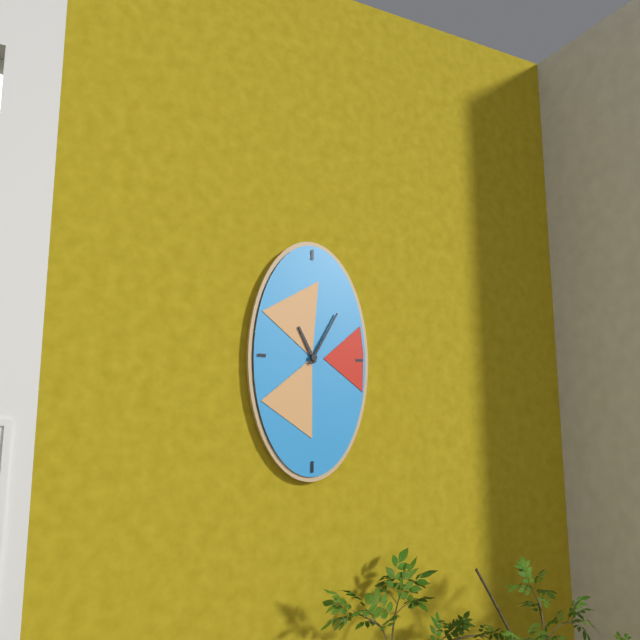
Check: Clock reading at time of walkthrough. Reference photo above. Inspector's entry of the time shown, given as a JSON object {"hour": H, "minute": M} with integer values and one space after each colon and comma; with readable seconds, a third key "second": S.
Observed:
{"hour": 11, "minute": 5}
